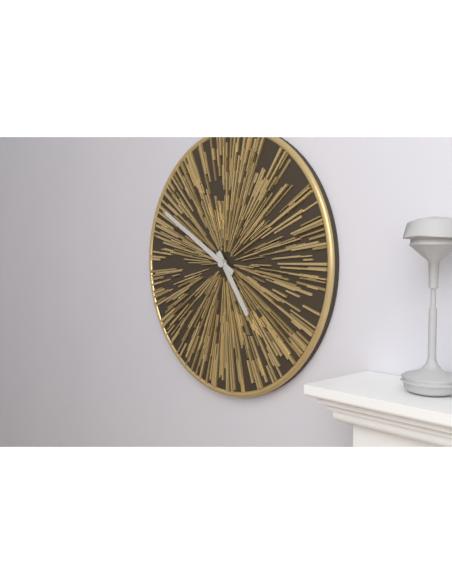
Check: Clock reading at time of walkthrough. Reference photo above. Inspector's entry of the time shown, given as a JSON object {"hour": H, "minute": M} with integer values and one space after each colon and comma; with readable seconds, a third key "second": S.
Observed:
{"hour": 4, "minute": 50}
